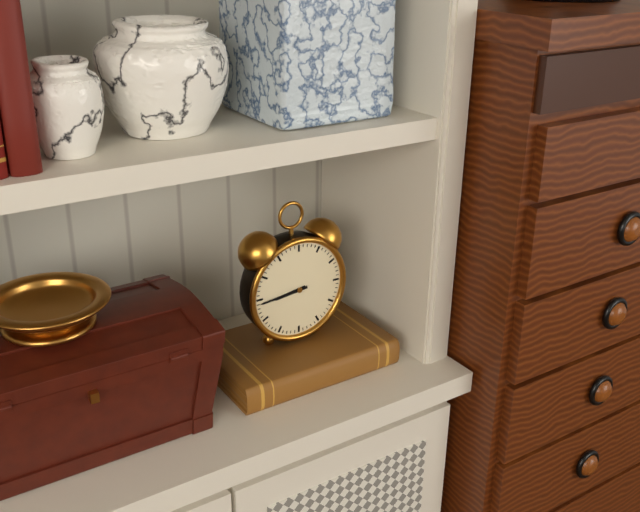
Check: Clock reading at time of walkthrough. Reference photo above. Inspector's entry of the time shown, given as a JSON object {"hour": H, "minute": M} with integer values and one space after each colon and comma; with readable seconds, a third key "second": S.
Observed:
{"hour": 8, "minute": 44}
